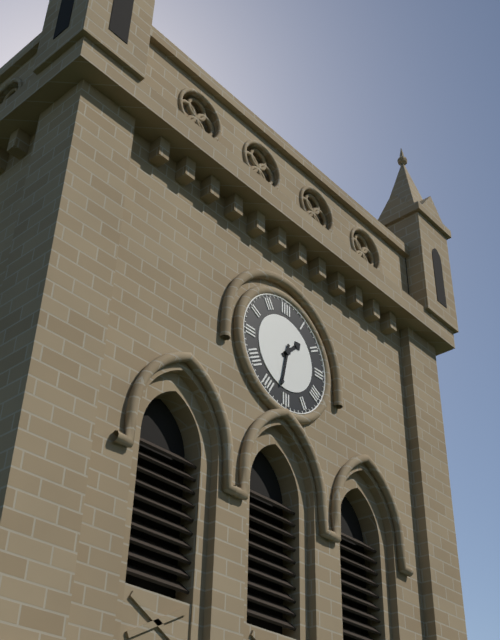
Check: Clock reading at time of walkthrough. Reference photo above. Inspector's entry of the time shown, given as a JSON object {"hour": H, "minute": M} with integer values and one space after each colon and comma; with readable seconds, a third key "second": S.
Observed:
{"hour": 1, "minute": 32}
